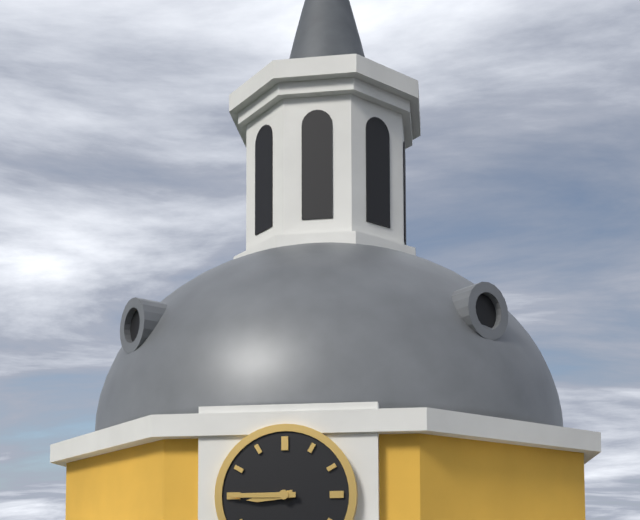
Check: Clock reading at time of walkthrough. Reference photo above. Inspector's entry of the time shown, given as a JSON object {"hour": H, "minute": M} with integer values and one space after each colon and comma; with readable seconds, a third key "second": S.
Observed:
{"hour": 8, "minute": 45}
